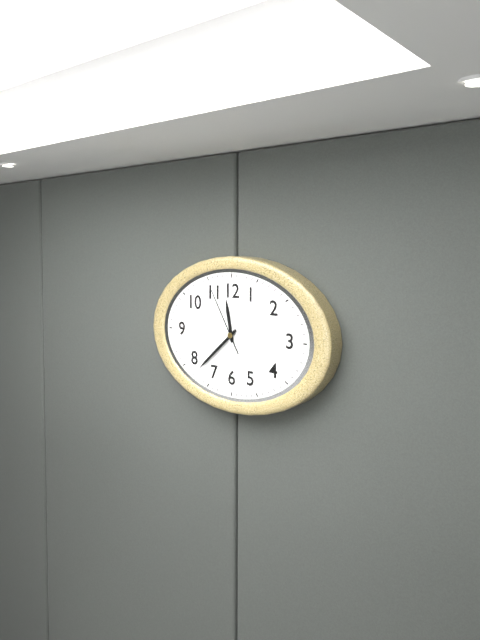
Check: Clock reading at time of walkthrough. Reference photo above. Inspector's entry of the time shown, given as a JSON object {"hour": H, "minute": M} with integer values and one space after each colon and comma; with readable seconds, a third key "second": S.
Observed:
{"hour": 11, "minute": 38, "second": 55}
